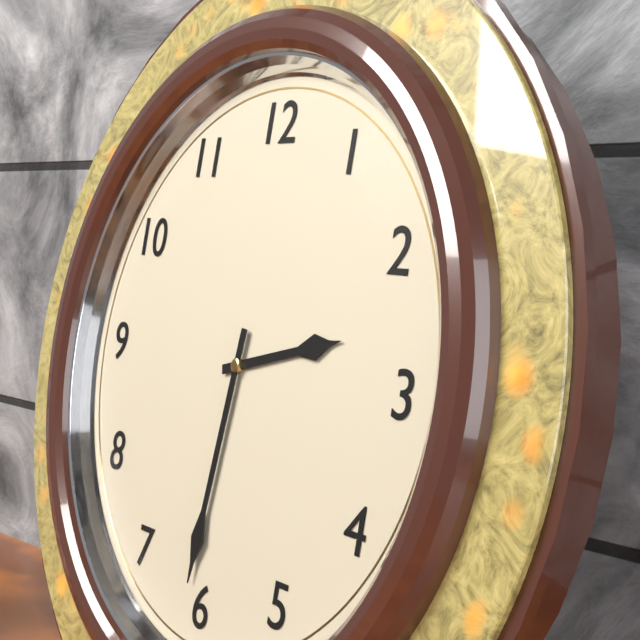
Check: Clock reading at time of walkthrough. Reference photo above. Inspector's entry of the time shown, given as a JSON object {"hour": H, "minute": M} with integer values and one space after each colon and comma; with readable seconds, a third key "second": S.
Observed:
{"hour": 2, "minute": 31}
